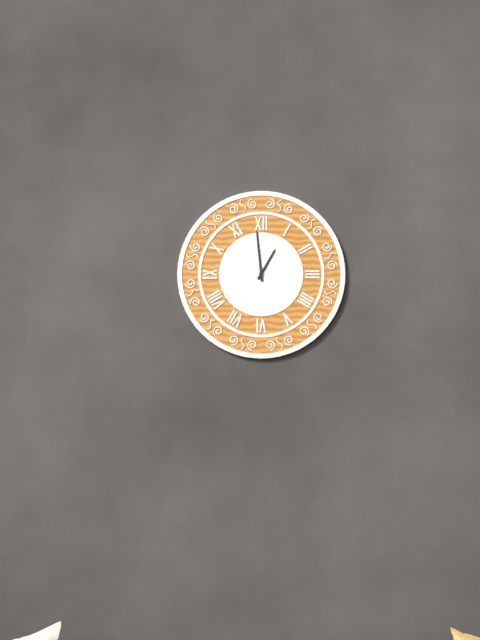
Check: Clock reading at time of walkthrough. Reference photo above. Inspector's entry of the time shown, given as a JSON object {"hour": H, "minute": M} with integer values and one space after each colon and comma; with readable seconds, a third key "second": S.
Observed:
{"hour": 12, "minute": 59}
